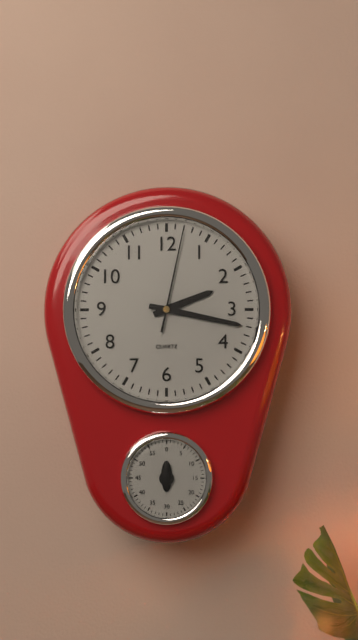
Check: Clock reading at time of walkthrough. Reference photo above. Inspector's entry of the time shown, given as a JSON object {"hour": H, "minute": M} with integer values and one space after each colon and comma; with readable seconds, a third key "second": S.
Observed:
{"hour": 2, "minute": 17, "second": 2}
